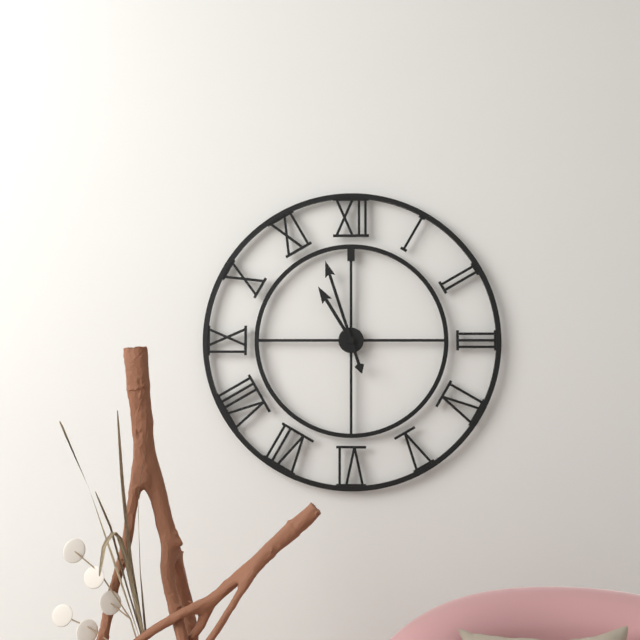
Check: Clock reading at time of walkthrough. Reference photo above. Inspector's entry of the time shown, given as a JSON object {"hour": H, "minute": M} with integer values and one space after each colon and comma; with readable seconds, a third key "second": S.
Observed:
{"hour": 10, "minute": 57}
